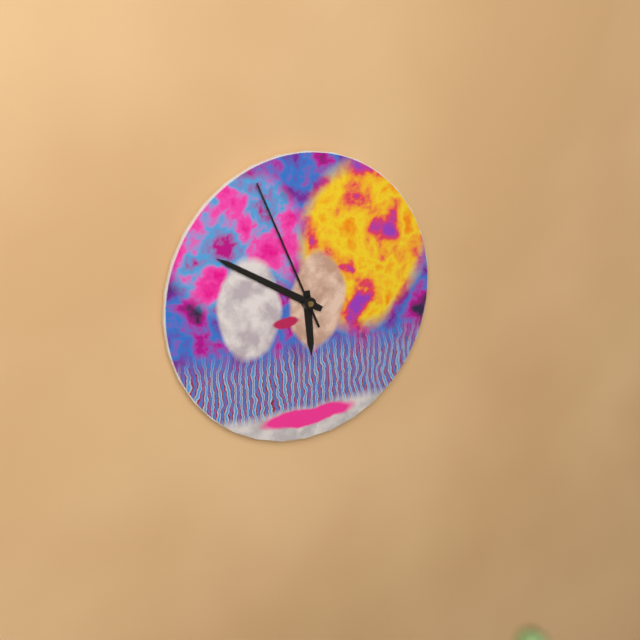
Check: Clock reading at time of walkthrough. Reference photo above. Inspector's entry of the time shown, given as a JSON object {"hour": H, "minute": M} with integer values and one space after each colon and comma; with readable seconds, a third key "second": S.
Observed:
{"hour": 5, "minute": 50, "second": 56}
